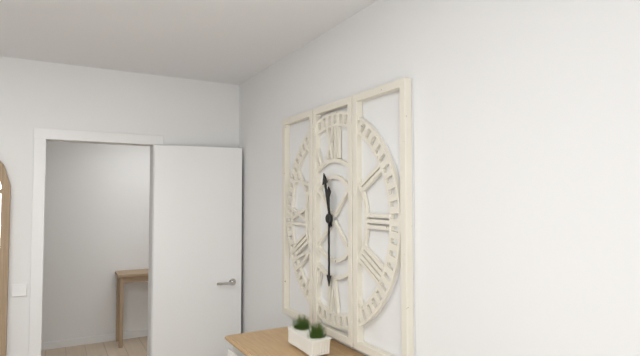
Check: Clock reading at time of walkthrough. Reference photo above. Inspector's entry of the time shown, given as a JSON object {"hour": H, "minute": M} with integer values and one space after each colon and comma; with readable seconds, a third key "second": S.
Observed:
{"hour": 11, "minute": 30}
